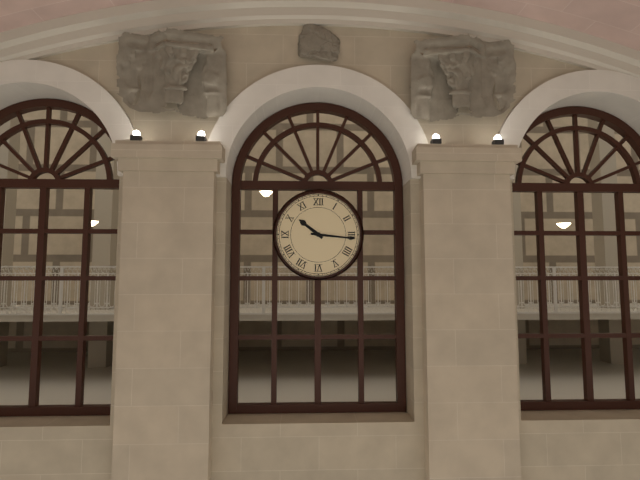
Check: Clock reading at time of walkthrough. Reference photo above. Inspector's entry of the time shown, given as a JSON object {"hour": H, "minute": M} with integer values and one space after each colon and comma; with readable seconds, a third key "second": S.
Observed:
{"hour": 10, "minute": 16}
